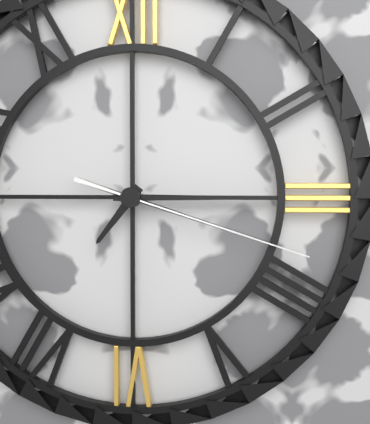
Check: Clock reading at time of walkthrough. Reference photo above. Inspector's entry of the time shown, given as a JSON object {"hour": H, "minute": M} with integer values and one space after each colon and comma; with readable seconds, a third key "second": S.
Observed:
{"hour": 7, "minute": 15, "second": 18}
